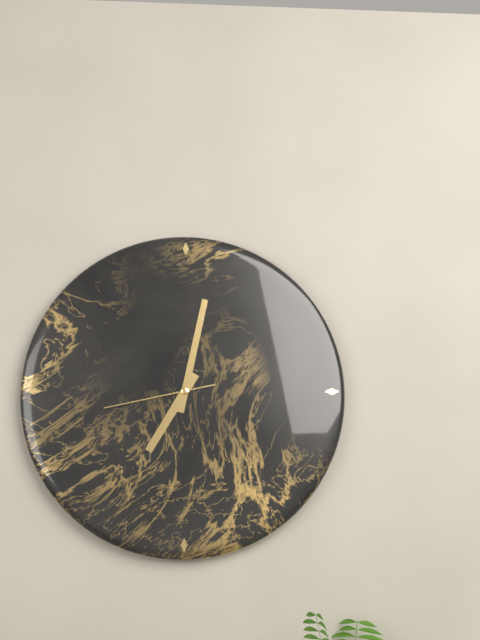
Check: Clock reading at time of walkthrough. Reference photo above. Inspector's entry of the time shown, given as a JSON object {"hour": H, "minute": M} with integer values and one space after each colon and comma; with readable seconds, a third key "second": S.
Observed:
{"hour": 7, "minute": 2, "second": 43}
